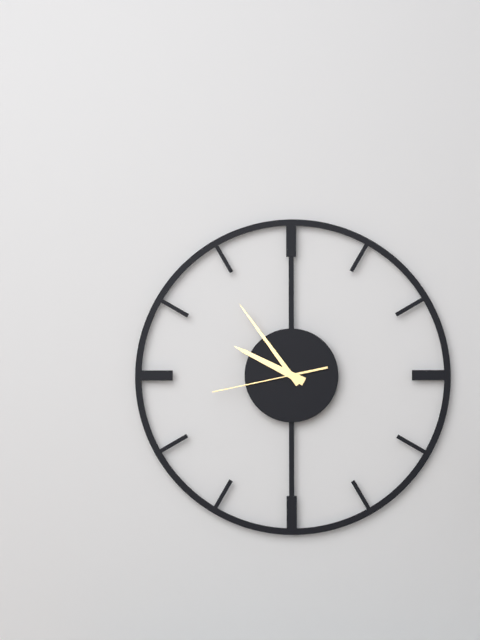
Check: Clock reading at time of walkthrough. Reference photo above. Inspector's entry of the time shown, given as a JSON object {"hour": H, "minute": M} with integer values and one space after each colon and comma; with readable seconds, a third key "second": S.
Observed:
{"hour": 9, "minute": 54, "second": 43}
